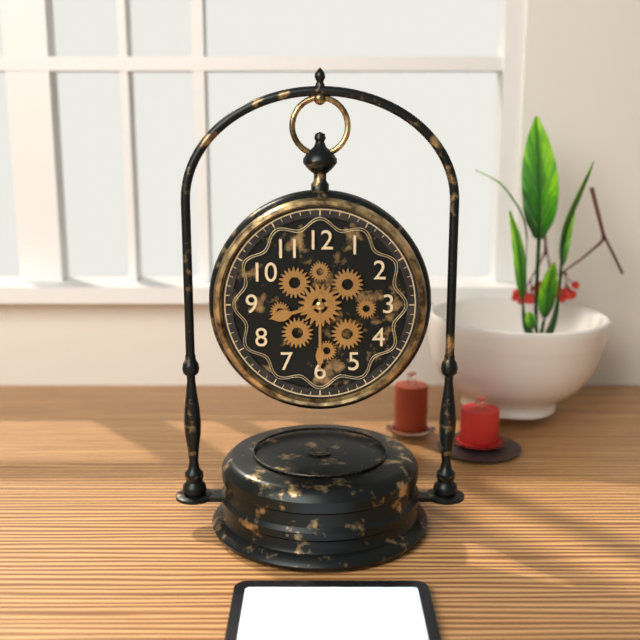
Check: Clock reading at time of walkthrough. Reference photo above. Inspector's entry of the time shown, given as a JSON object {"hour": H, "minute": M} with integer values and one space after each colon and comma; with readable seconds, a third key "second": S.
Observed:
{"hour": 8, "minute": 30}
